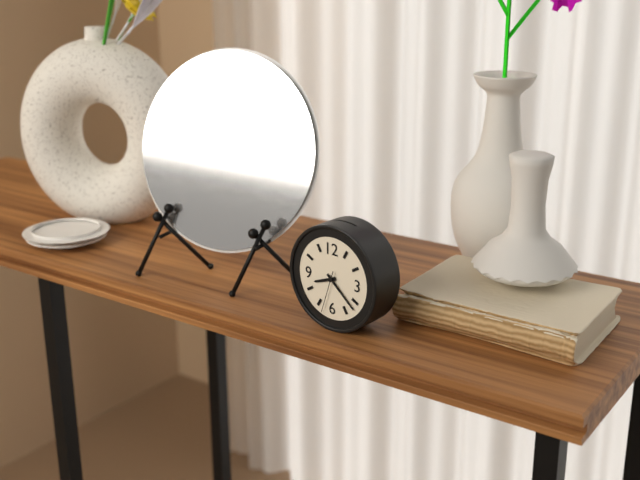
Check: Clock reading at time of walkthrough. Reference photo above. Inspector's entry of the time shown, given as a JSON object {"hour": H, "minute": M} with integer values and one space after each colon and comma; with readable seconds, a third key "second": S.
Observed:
{"hour": 8, "minute": 22}
